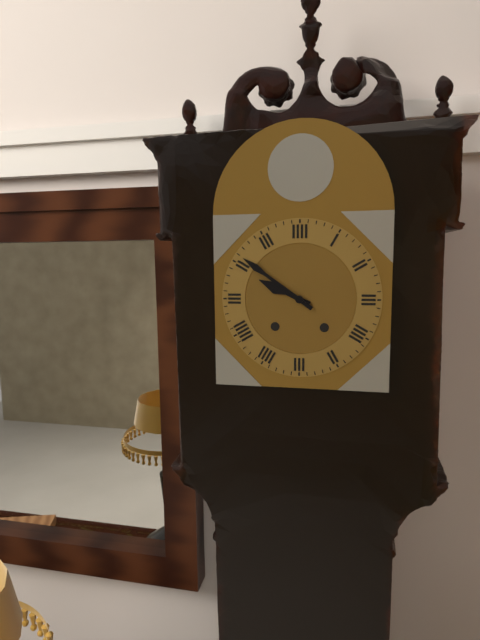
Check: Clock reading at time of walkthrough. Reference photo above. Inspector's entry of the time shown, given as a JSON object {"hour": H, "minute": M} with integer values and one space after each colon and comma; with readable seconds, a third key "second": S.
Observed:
{"hour": 9, "minute": 51}
